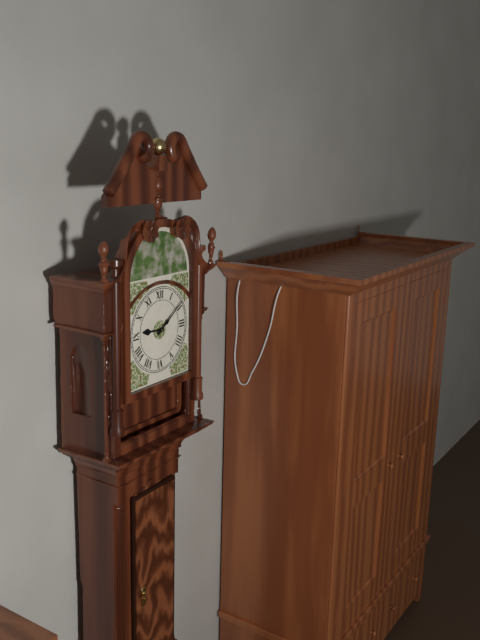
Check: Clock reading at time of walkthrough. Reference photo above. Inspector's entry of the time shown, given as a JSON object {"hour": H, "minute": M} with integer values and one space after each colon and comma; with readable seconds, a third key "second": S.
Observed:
{"hour": 9, "minute": 9}
